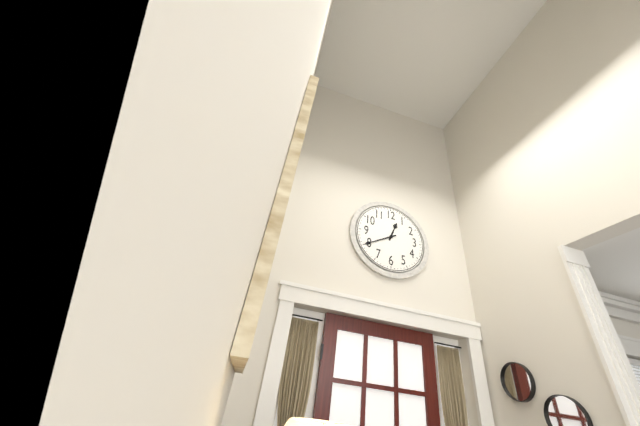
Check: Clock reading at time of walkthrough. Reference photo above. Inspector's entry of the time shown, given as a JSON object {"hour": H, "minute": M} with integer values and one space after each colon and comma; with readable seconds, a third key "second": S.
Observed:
{"hour": 12, "minute": 40}
